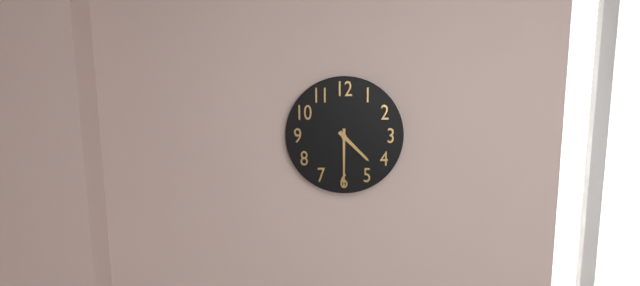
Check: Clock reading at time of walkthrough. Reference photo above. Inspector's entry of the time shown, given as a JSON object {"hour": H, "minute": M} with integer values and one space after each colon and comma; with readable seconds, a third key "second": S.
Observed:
{"hour": 4, "minute": 30}
